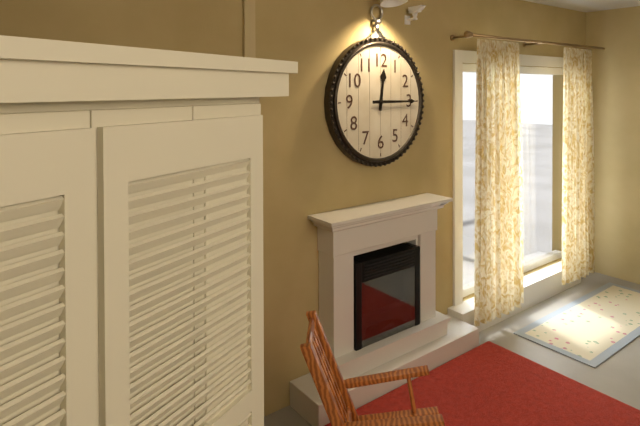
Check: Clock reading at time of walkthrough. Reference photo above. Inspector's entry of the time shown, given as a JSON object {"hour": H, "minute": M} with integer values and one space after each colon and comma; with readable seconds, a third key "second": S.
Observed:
{"hour": 12, "minute": 15}
